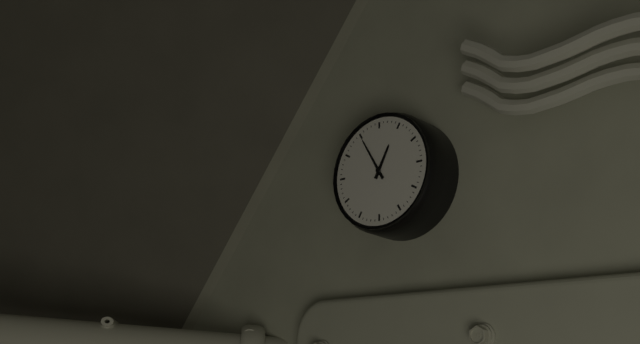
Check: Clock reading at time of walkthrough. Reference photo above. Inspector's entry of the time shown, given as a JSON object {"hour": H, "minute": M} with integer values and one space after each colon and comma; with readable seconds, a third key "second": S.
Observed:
{"hour": 12, "minute": 55}
